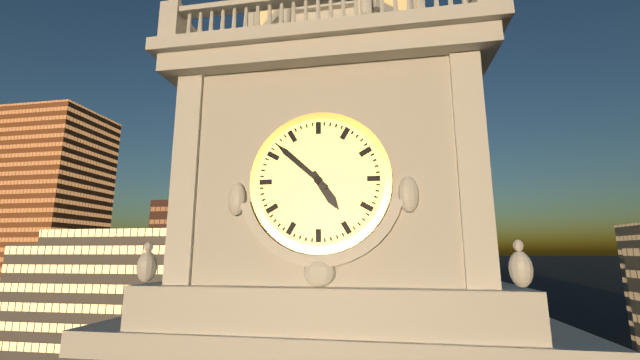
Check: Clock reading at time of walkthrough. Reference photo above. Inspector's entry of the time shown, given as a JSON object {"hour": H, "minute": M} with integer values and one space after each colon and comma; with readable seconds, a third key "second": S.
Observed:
{"hour": 4, "minute": 52}
